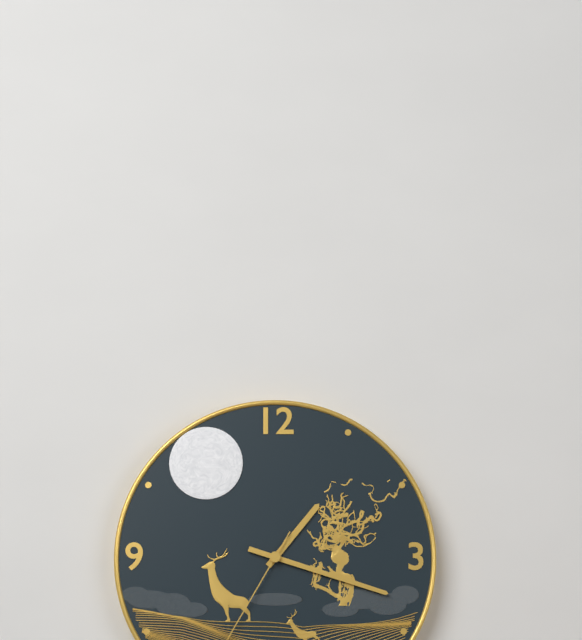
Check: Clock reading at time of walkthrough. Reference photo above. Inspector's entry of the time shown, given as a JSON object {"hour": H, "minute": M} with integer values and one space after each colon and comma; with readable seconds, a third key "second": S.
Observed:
{"hour": 1, "minute": 18}
